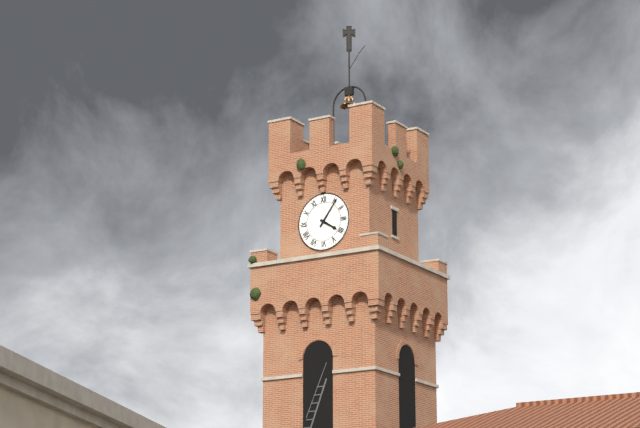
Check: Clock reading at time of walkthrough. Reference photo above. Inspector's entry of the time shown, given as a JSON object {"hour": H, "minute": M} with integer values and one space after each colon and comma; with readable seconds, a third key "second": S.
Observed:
{"hour": 4, "minute": 6}
